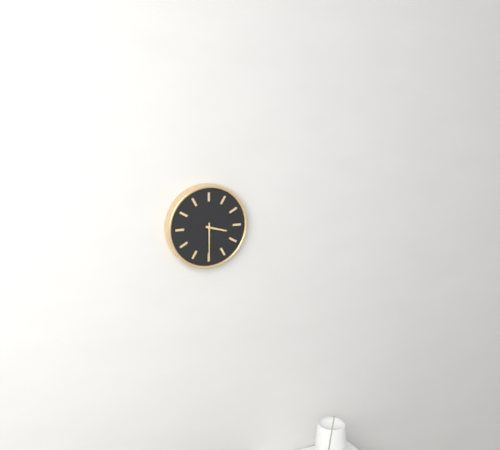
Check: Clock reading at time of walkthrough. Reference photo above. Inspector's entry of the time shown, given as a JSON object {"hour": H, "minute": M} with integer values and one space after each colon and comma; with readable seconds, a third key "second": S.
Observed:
{"hour": 3, "minute": 30}
